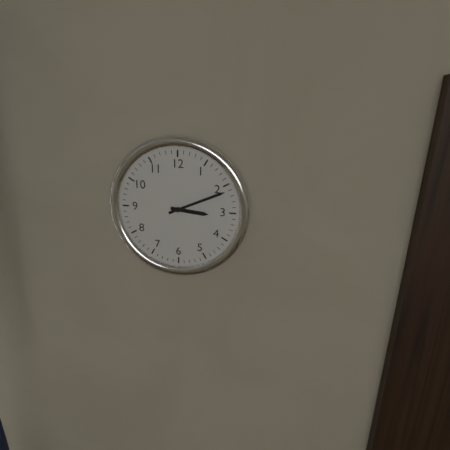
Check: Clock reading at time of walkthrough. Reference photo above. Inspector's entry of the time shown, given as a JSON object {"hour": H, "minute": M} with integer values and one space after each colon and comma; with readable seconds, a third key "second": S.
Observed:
{"hour": 3, "minute": 11}
